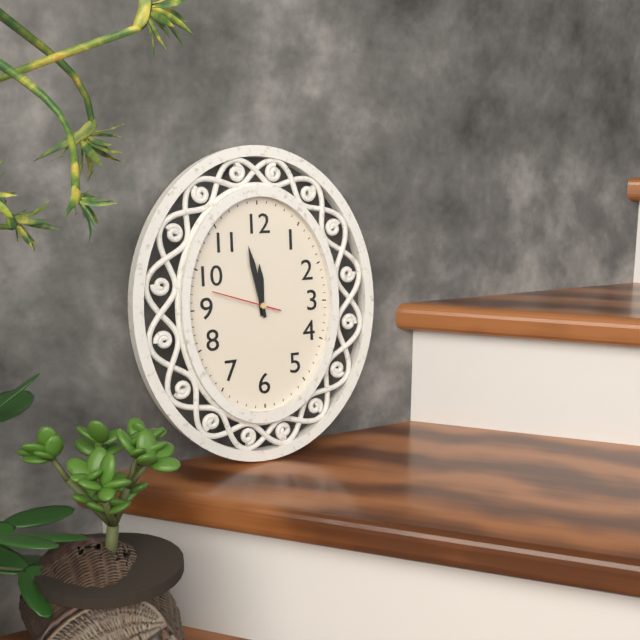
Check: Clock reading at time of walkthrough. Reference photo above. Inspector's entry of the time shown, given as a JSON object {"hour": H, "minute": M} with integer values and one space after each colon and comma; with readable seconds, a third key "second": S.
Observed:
{"hour": 11, "minute": 58, "second": 48}
